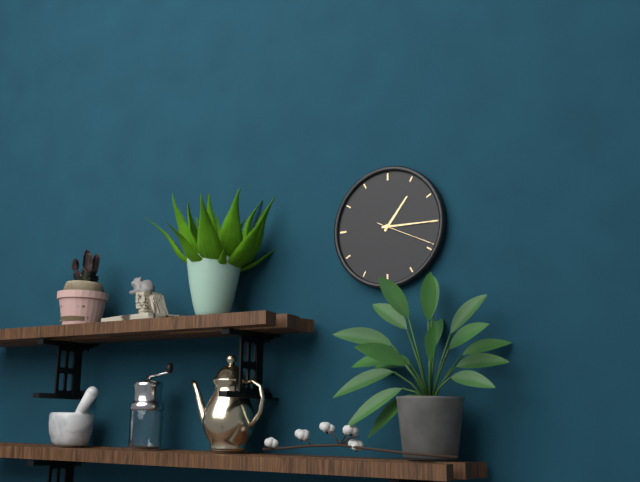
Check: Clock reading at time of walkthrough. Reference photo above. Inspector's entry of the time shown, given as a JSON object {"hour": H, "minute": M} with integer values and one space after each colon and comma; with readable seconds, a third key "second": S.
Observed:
{"hour": 1, "minute": 15, "second": 19}
